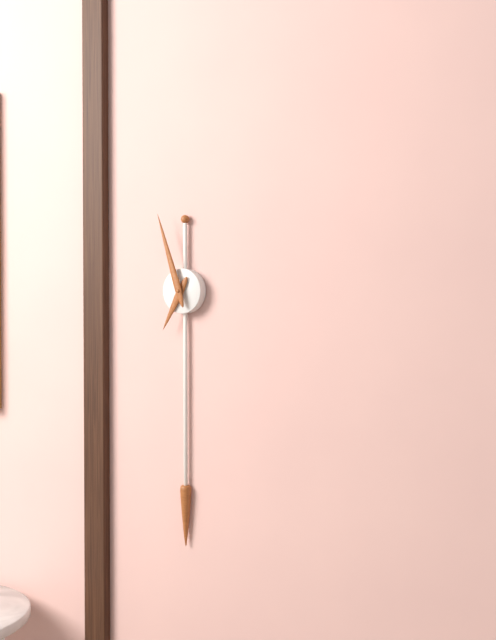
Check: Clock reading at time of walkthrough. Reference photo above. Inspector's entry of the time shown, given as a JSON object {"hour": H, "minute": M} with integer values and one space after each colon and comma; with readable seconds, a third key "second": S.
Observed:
{"hour": 6, "minute": 57}
